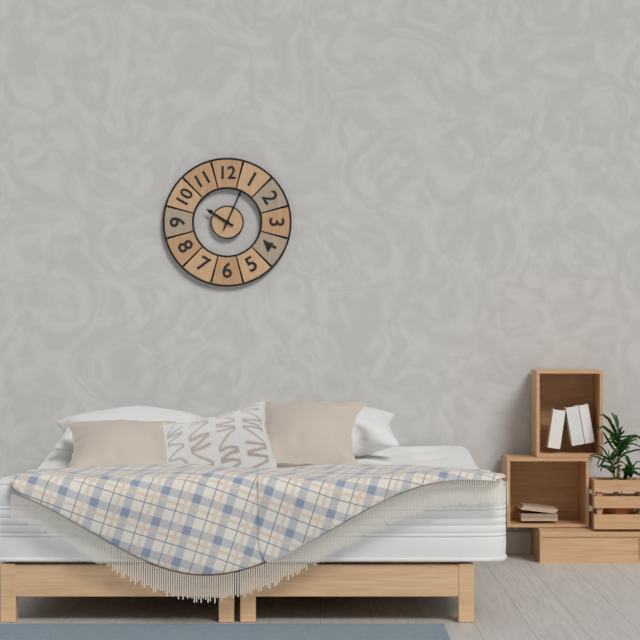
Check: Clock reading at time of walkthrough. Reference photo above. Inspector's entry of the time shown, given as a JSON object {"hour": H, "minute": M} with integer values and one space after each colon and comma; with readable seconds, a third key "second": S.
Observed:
{"hour": 10, "minute": 4}
